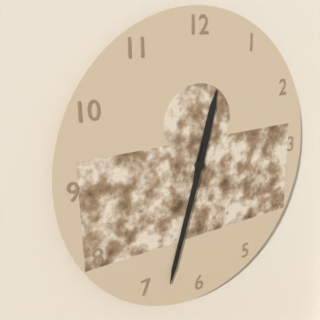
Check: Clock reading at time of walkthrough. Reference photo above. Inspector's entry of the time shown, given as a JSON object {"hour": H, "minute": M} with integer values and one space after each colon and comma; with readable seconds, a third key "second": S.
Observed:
{"hour": 12, "minute": 33}
